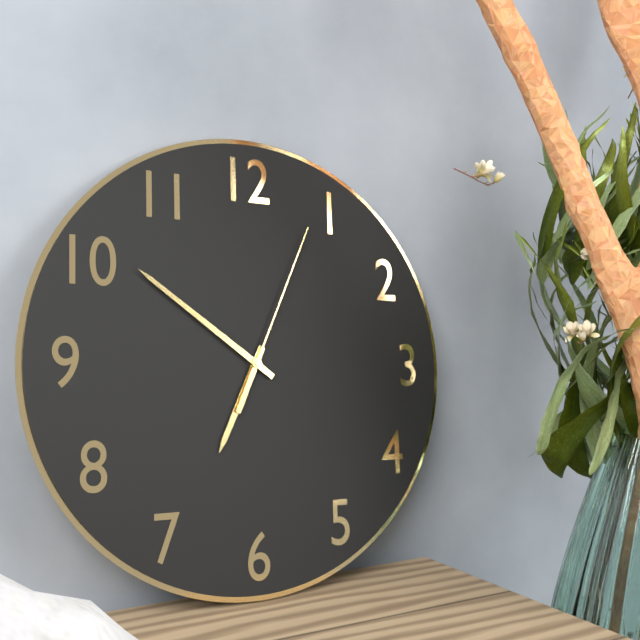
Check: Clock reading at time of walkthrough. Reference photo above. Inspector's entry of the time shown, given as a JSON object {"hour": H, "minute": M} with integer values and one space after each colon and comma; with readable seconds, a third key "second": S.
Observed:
{"hour": 6, "minute": 51, "second": 4}
